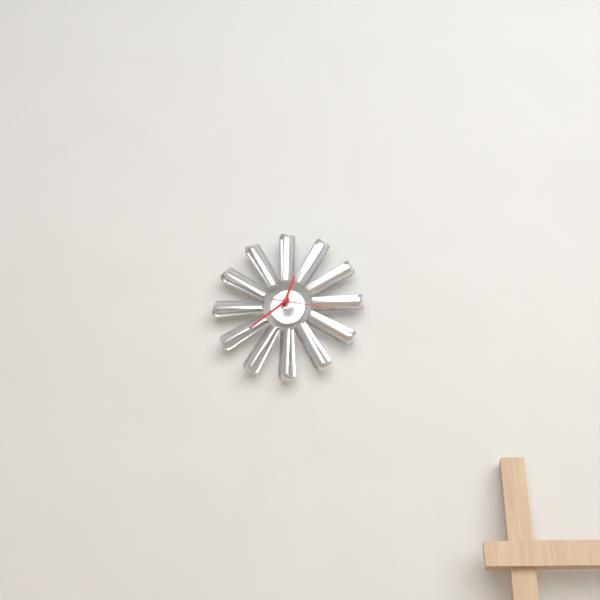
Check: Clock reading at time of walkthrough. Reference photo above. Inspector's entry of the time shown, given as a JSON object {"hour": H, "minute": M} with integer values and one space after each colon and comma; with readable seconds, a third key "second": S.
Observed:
{"hour": 12, "minute": 39, "second": 17}
